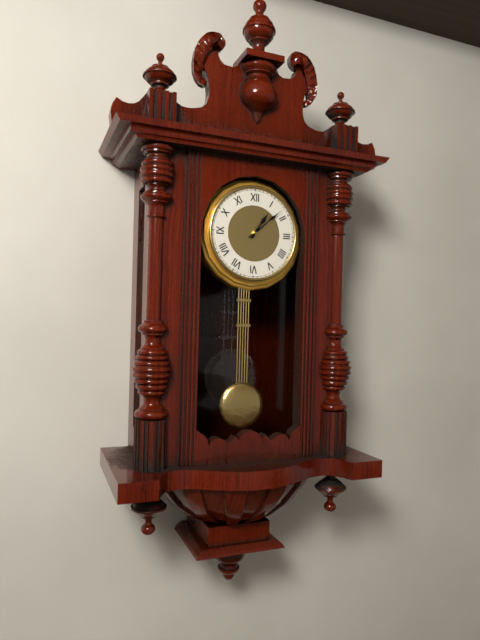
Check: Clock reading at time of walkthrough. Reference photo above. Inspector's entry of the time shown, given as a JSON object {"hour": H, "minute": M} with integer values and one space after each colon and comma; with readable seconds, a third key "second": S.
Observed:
{"hour": 1, "minute": 8}
